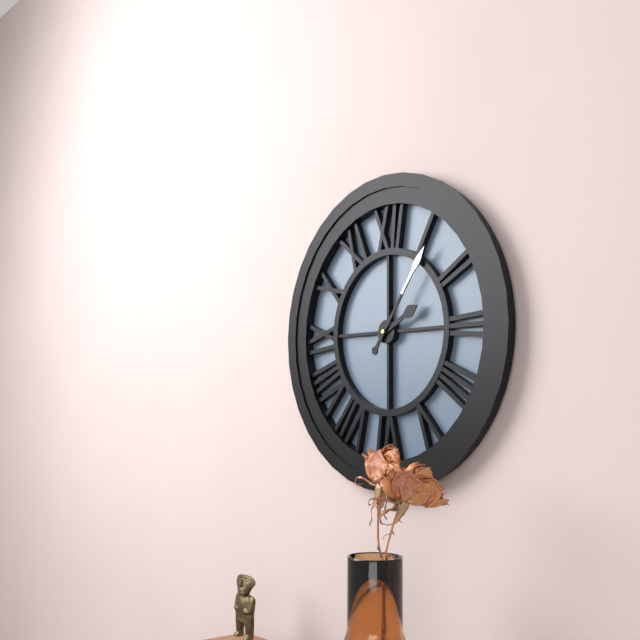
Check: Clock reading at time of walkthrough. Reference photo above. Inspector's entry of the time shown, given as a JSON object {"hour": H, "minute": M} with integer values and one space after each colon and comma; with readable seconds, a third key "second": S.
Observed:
{"hour": 2, "minute": 6}
